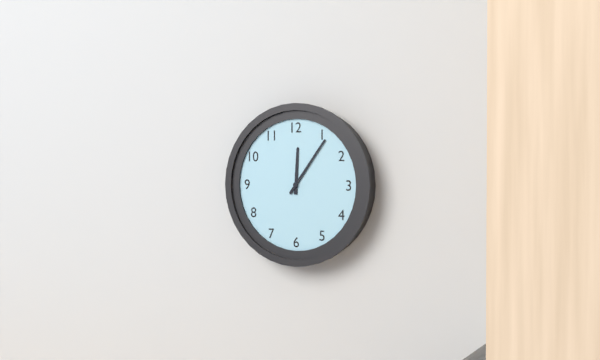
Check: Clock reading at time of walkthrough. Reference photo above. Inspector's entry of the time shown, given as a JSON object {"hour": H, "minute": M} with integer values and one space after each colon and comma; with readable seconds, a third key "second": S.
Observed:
{"hour": 12, "minute": 6}
